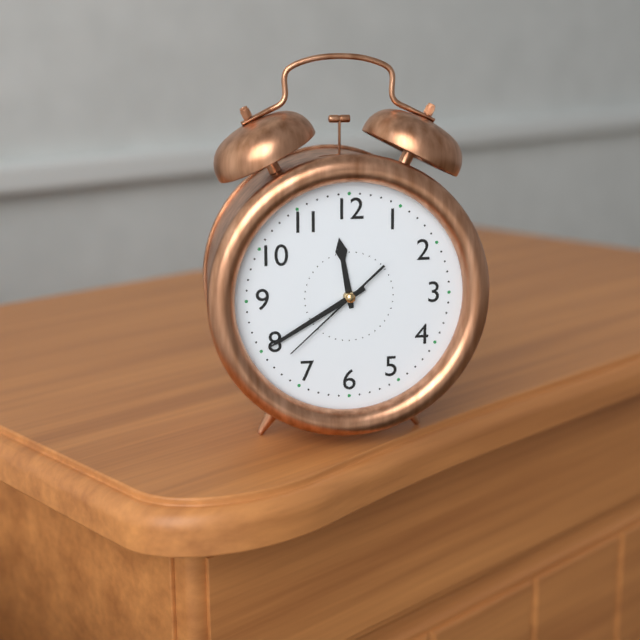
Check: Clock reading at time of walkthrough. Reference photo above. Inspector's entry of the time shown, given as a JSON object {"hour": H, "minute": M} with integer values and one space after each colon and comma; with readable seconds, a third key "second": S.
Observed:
{"hour": 11, "minute": 40, "second": 38}
